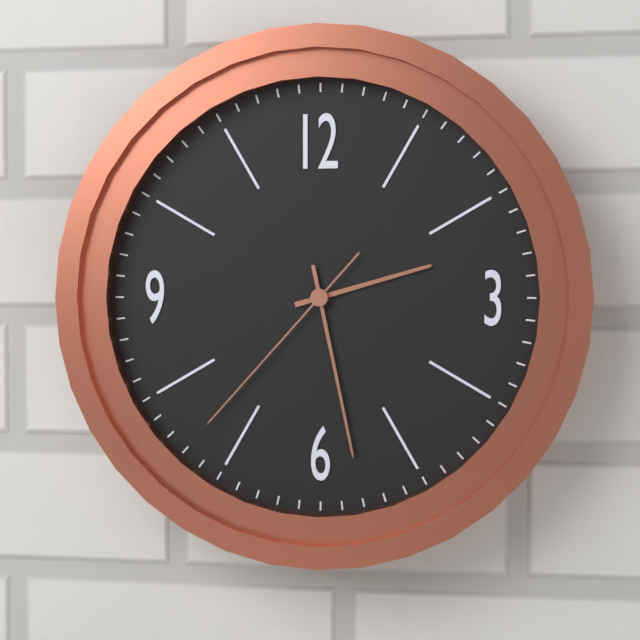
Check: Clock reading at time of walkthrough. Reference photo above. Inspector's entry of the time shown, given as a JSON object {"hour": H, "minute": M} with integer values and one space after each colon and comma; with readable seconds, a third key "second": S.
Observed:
{"hour": 2, "minute": 28, "second": 37}
